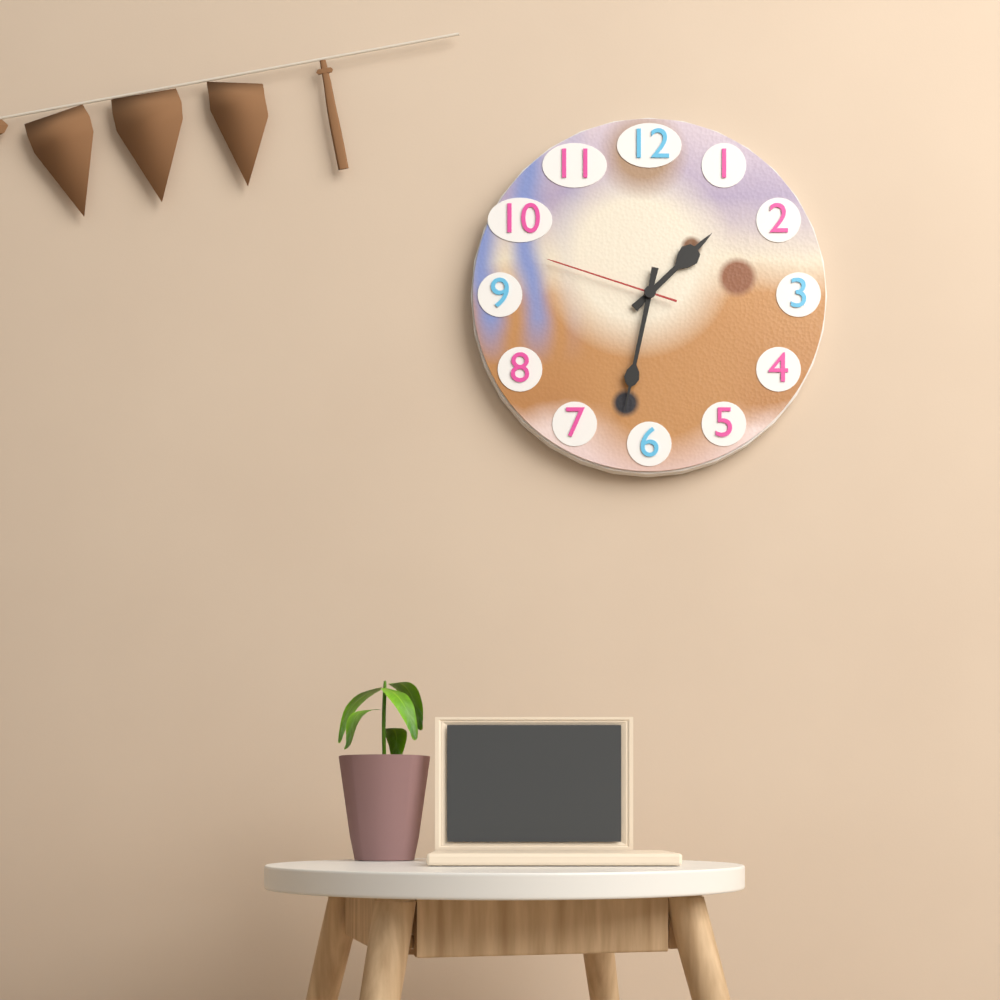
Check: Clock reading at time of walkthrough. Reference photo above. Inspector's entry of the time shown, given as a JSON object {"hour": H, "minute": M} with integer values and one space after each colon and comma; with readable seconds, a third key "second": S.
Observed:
{"hour": 1, "minute": 32, "second": 48}
